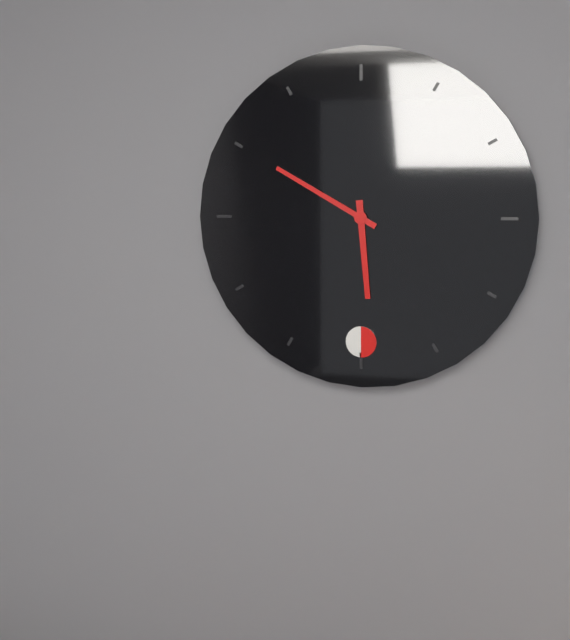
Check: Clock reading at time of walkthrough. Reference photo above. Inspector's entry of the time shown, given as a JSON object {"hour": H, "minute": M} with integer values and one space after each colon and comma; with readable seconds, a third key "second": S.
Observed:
{"hour": 5, "minute": 50}
